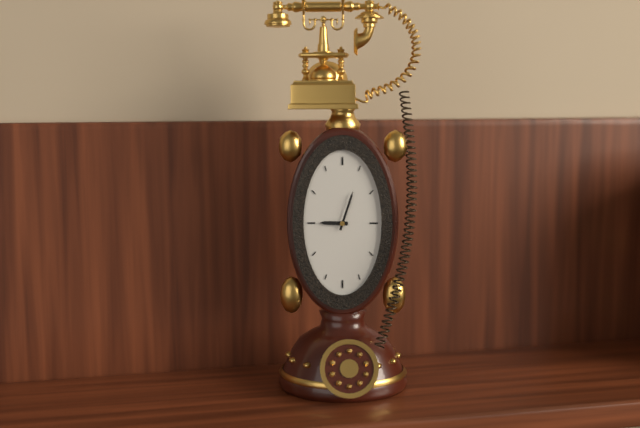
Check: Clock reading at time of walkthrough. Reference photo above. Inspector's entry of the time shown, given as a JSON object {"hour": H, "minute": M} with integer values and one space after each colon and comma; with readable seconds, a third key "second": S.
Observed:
{"hour": 9, "minute": 3}
